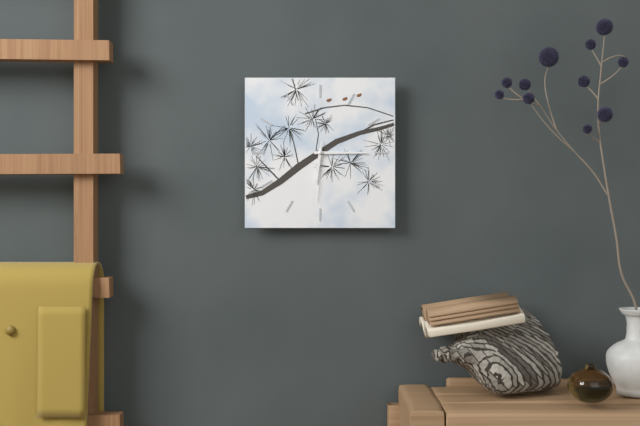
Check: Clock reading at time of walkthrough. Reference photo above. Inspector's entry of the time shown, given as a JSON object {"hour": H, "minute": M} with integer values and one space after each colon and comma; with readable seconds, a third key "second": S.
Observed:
{"hour": 6, "minute": 15, "second": 31}
